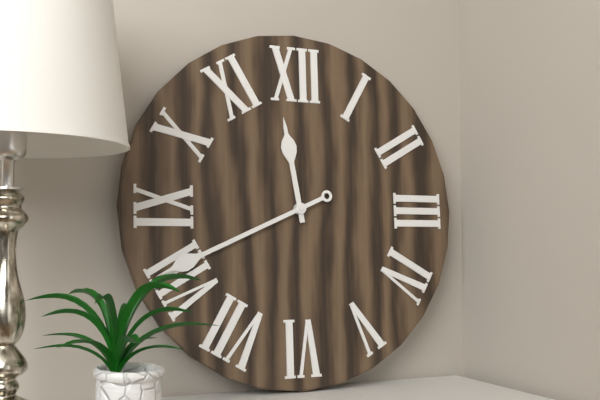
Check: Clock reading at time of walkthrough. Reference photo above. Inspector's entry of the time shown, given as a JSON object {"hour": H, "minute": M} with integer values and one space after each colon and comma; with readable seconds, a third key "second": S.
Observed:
{"hour": 11, "minute": 41}
